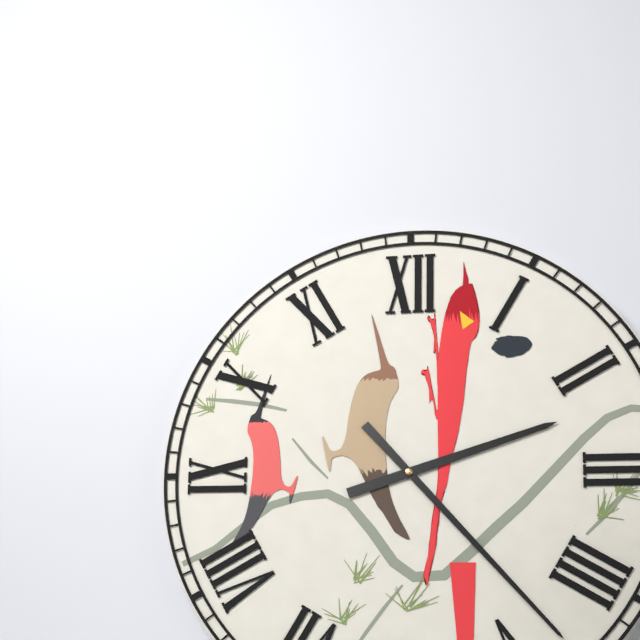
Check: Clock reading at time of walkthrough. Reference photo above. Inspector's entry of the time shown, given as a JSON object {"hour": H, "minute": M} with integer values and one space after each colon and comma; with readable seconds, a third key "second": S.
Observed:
{"hour": 2, "minute": 23}
